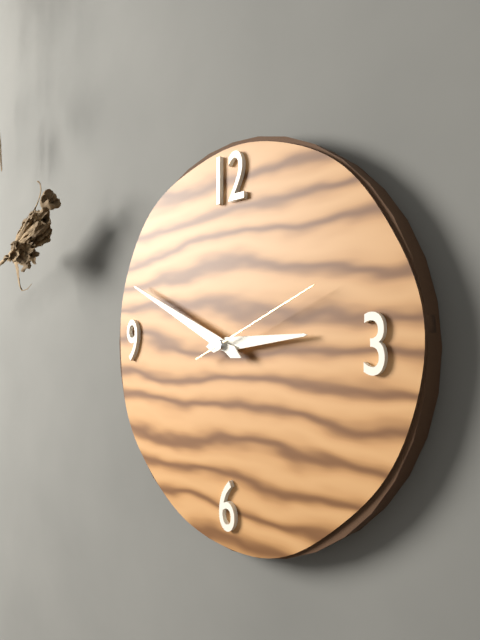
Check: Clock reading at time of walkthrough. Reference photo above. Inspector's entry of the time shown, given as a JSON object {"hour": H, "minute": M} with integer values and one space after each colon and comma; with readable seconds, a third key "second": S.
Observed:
{"hour": 2, "minute": 49, "second": 11}
